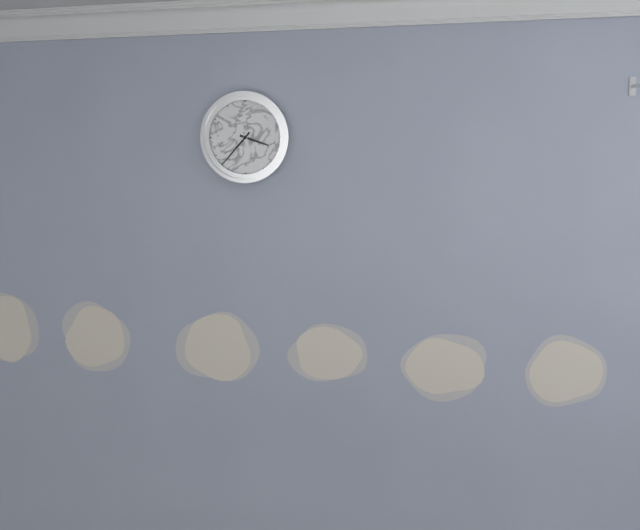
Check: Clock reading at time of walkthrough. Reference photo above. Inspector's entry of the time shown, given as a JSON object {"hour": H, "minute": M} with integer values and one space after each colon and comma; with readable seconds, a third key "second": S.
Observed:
{"hour": 3, "minute": 37}
